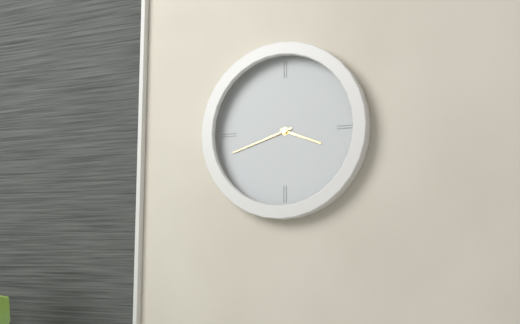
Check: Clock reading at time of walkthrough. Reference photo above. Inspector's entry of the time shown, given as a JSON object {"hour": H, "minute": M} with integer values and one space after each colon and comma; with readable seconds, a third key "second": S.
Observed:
{"hour": 3, "minute": 42}
